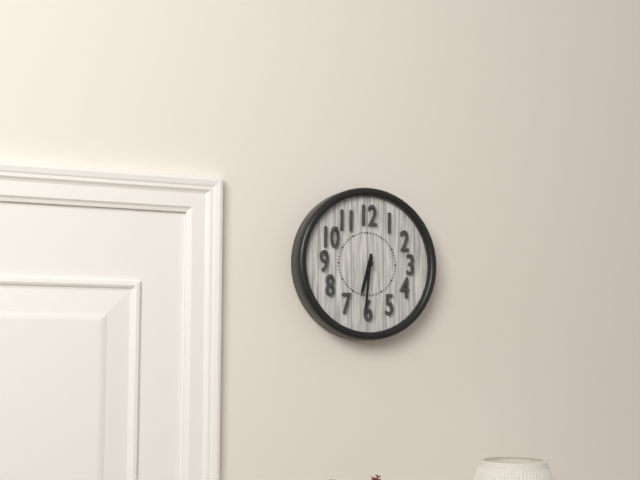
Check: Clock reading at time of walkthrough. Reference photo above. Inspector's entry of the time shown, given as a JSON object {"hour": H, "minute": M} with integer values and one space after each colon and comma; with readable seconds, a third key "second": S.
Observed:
{"hour": 6, "minute": 31}
